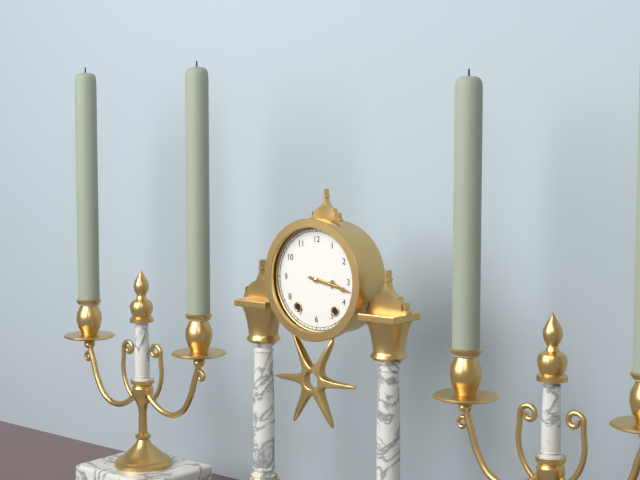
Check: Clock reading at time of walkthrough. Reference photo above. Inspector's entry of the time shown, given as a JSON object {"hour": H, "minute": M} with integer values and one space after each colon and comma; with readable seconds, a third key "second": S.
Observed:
{"hour": 3, "minute": 17}
